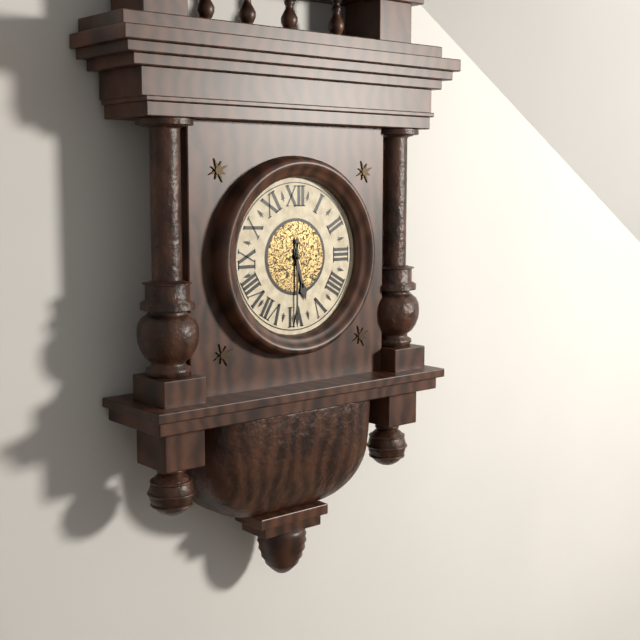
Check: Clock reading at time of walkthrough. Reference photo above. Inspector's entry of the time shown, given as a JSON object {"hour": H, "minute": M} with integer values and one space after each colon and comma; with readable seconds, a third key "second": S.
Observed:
{"hour": 5, "minute": 30}
